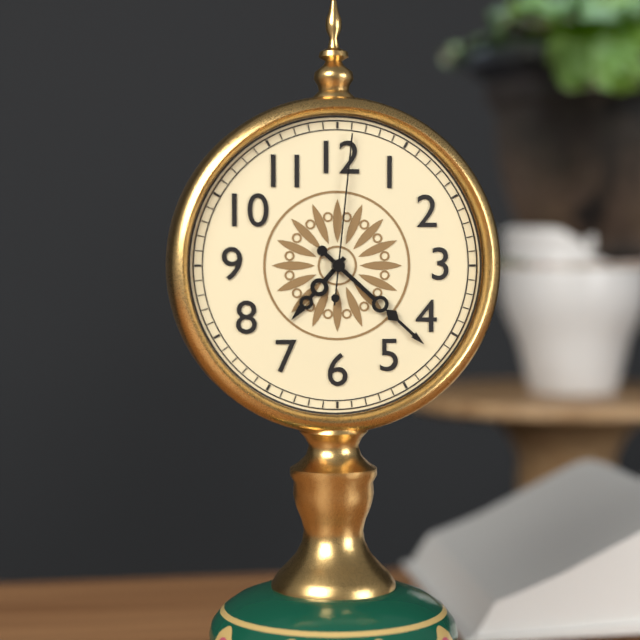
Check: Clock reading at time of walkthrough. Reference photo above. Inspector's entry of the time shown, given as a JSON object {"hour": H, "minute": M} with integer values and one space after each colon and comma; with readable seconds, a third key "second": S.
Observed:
{"hour": 7, "minute": 22, "second": 1}
